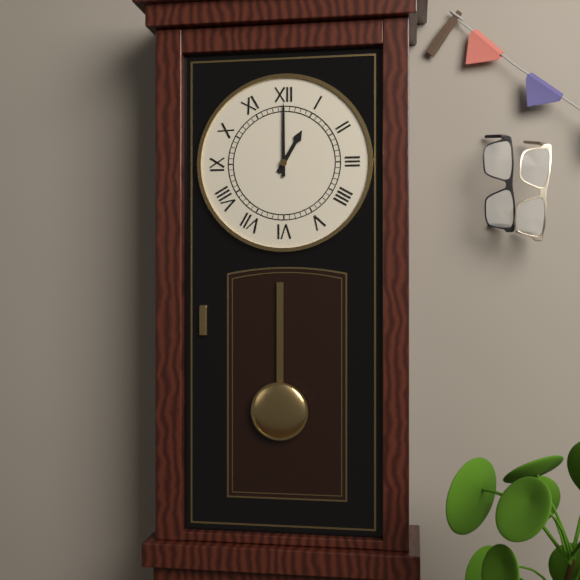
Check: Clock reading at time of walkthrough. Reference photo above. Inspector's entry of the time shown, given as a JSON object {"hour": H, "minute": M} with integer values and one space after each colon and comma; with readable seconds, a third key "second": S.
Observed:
{"hour": 1, "minute": 0}
